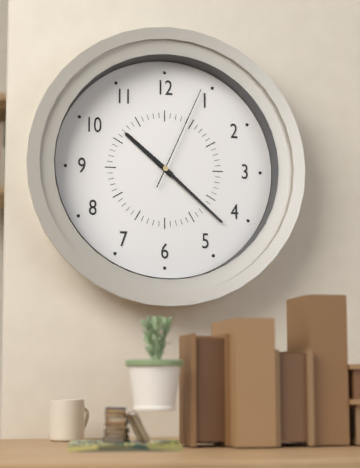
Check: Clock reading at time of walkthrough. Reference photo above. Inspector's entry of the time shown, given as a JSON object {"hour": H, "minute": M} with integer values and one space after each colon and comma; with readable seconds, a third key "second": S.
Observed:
{"hour": 10, "minute": 22, "second": 4}
